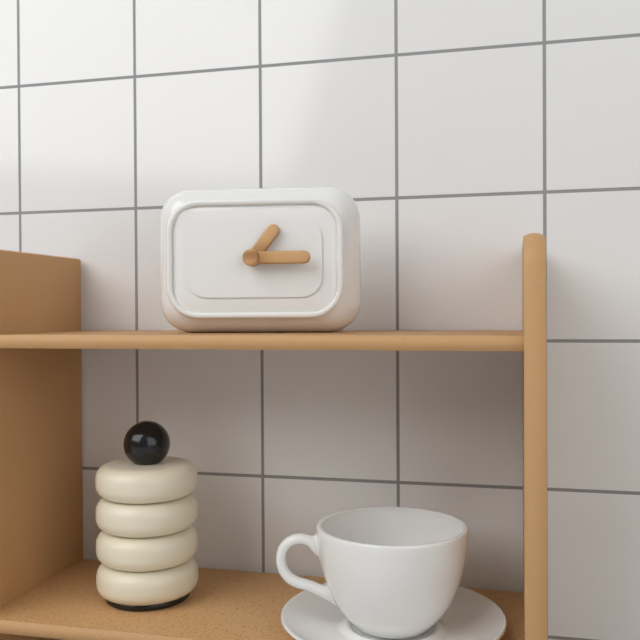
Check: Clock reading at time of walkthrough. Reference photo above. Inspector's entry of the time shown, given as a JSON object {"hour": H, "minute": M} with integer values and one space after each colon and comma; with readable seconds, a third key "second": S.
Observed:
{"hour": 1, "minute": 15}
